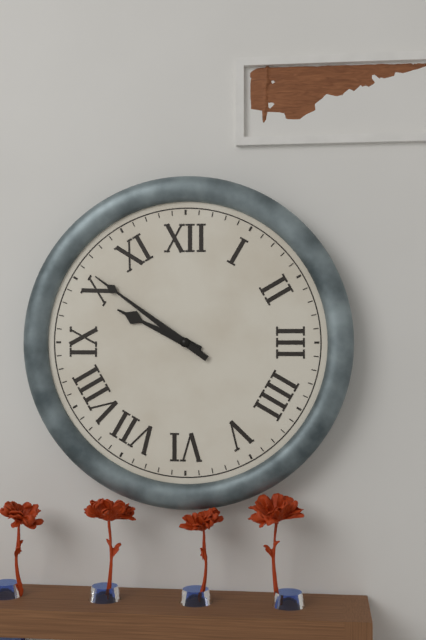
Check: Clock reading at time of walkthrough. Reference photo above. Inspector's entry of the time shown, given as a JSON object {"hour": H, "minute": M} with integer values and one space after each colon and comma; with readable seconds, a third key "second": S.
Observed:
{"hour": 9, "minute": 51}
